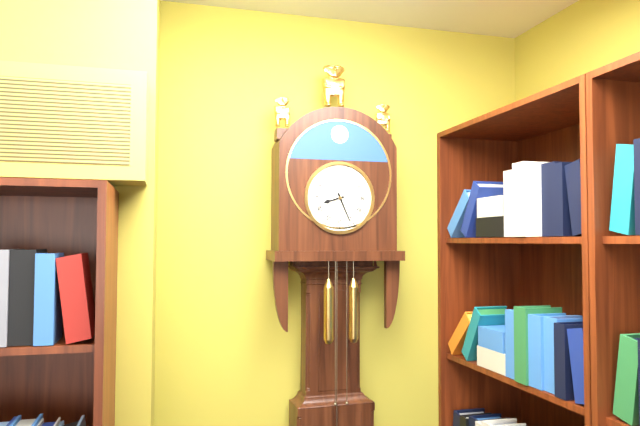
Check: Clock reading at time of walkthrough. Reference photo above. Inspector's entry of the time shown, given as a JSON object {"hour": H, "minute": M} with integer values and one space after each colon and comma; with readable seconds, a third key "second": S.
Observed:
{"hour": 8, "minute": 26}
